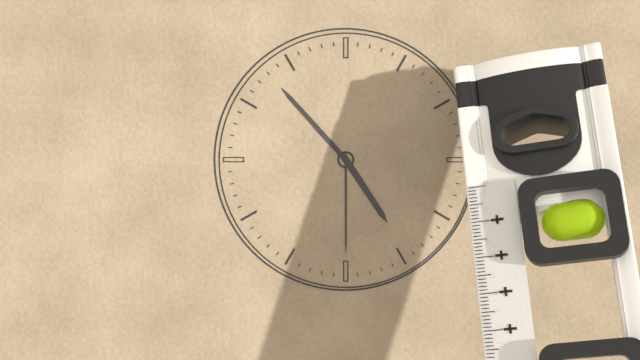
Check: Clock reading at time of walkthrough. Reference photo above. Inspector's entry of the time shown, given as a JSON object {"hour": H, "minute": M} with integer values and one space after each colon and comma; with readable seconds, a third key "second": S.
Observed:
{"hour": 4, "minute": 53, "second": 30}
